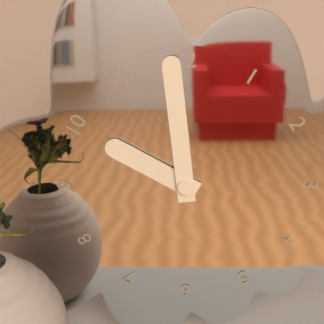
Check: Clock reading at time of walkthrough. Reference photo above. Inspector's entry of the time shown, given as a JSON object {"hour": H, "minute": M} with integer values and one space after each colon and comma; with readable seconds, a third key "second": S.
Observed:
{"hour": 9, "minute": 59}
